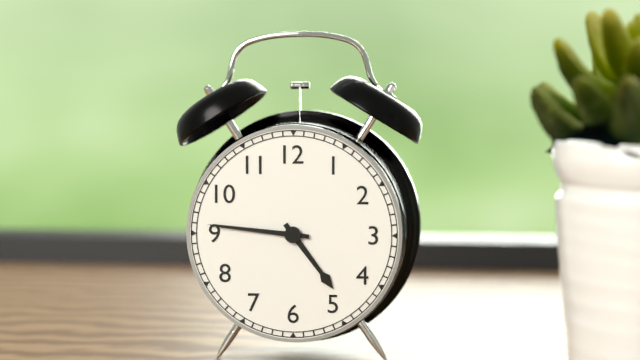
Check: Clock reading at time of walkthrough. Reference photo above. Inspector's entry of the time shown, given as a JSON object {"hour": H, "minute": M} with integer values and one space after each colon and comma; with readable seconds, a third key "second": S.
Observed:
{"hour": 4, "minute": 46}
